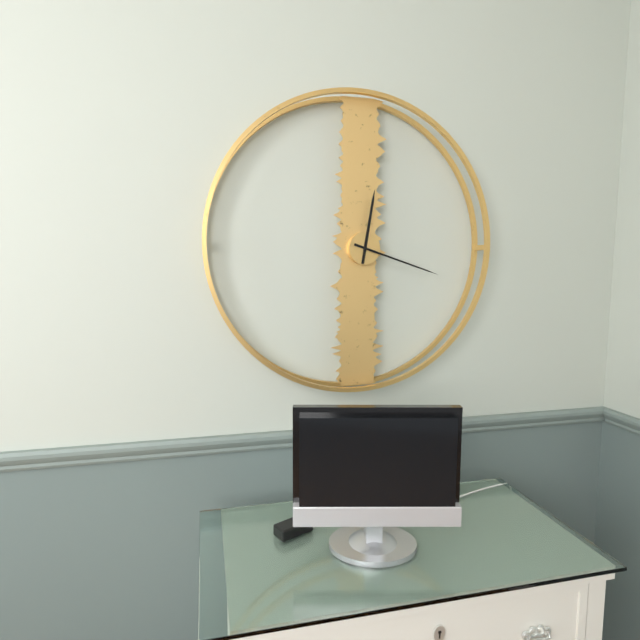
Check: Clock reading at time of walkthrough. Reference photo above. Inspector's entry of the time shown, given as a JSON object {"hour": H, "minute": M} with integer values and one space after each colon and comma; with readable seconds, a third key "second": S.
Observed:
{"hour": 12, "minute": 18}
